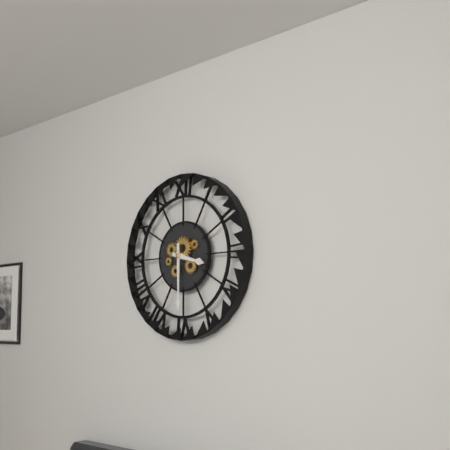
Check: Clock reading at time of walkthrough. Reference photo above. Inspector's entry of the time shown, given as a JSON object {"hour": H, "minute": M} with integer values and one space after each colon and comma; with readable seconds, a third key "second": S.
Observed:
{"hour": 3, "minute": 30}
